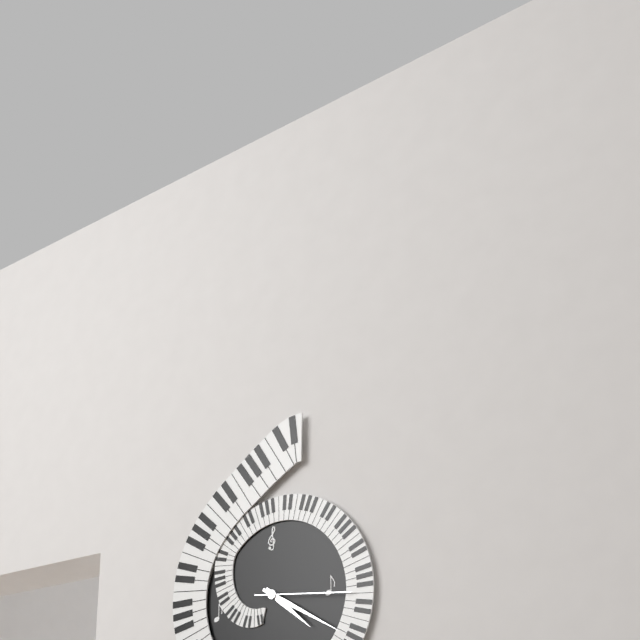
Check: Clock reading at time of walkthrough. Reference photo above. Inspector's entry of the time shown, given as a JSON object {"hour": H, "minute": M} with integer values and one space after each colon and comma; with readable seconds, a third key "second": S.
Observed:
{"hour": 4, "minute": 20, "second": 16}
